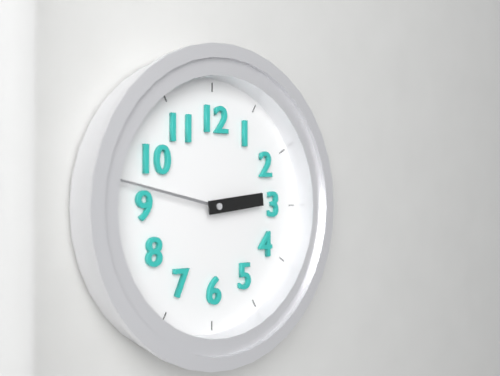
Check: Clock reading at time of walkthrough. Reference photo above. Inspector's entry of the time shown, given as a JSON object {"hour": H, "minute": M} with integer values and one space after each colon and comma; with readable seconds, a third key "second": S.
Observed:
{"hour": 2, "minute": 47}
